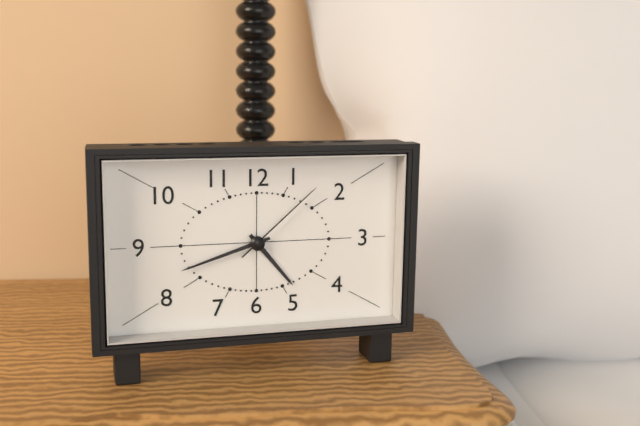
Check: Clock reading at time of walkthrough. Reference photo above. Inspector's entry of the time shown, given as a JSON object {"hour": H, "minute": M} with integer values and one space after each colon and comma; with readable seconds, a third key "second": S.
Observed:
{"hour": 4, "minute": 42, "second": 8}
